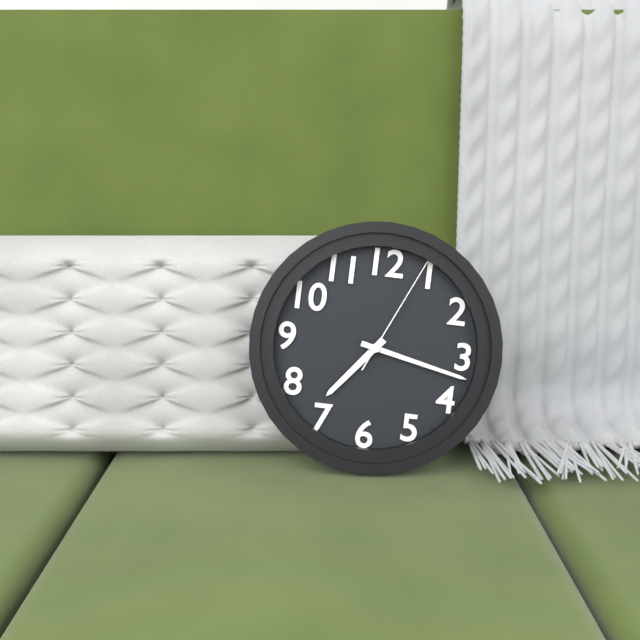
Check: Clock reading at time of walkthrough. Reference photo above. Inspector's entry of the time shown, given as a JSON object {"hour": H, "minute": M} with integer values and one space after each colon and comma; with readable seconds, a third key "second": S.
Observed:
{"hour": 7, "minute": 17, "second": 4}
